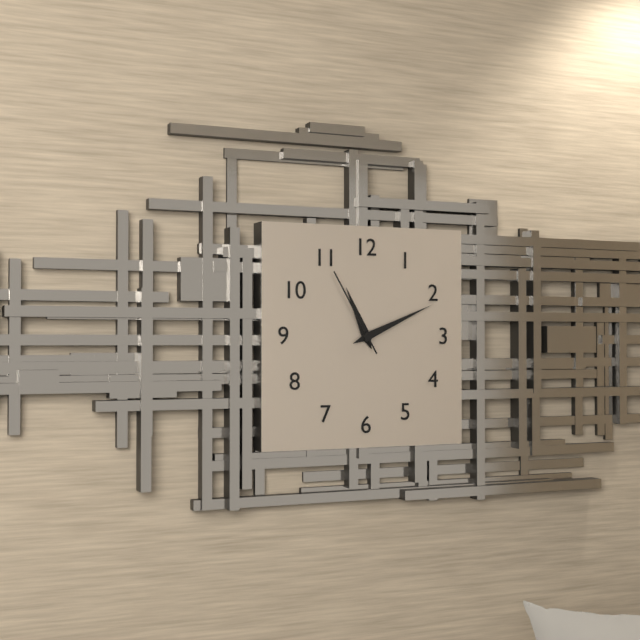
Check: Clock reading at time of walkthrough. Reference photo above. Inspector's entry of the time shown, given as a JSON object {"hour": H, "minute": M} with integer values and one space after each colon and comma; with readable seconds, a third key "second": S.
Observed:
{"hour": 11, "minute": 11, "second": 55}
